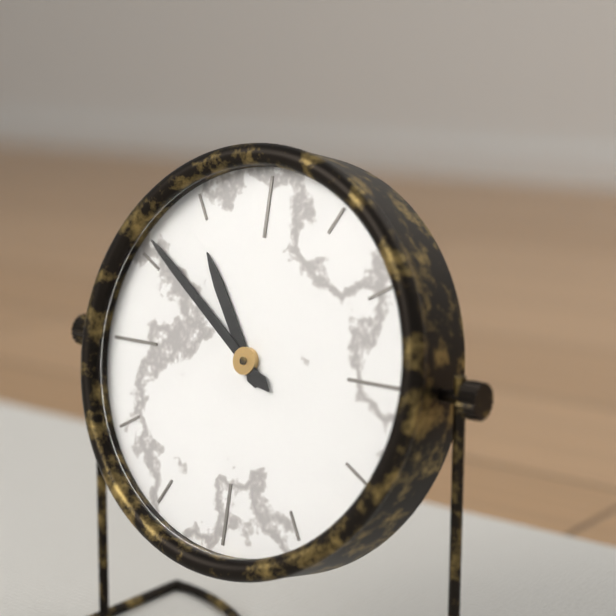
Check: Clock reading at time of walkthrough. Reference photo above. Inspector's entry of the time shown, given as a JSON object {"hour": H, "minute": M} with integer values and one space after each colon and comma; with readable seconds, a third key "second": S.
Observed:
{"hour": 10, "minute": 51}
